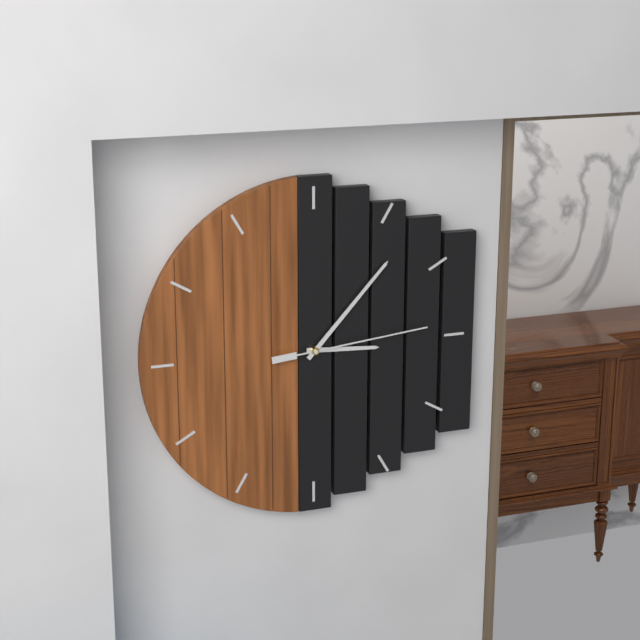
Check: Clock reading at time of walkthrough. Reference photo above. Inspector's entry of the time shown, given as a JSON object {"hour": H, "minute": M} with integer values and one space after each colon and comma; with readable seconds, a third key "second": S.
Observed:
{"hour": 3, "minute": 7, "second": 14}
